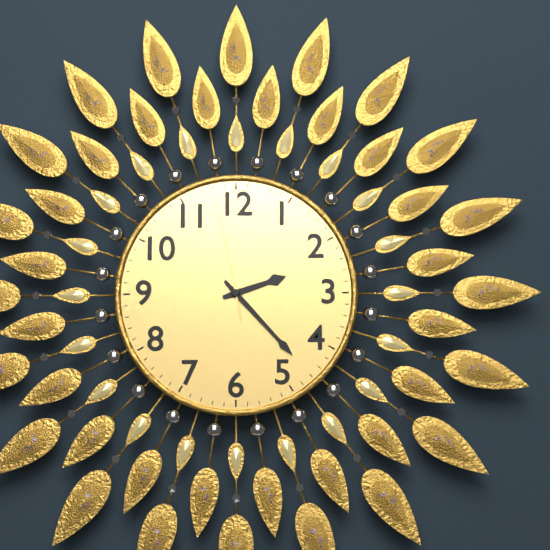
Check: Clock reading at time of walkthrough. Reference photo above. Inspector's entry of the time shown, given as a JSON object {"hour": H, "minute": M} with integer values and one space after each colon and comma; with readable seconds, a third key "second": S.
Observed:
{"hour": 2, "minute": 23, "second": 58}
